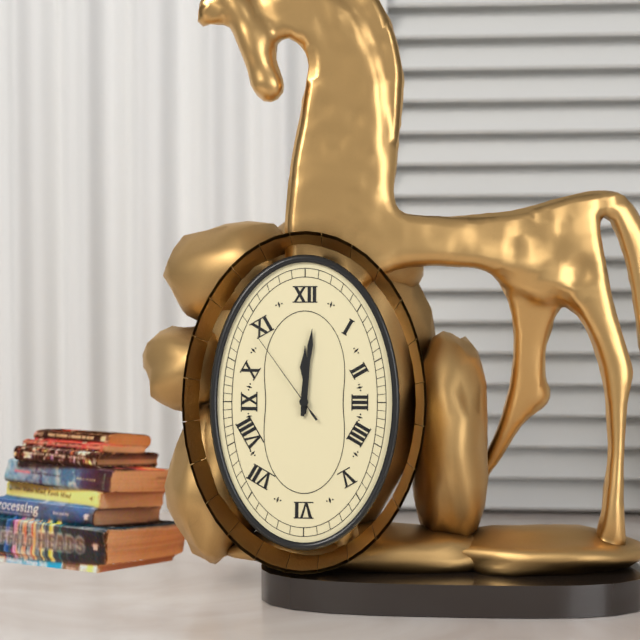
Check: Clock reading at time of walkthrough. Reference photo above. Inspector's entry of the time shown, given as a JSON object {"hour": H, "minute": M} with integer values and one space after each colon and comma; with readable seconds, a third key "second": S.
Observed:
{"hour": 12, "minute": 1, "second": 54}
